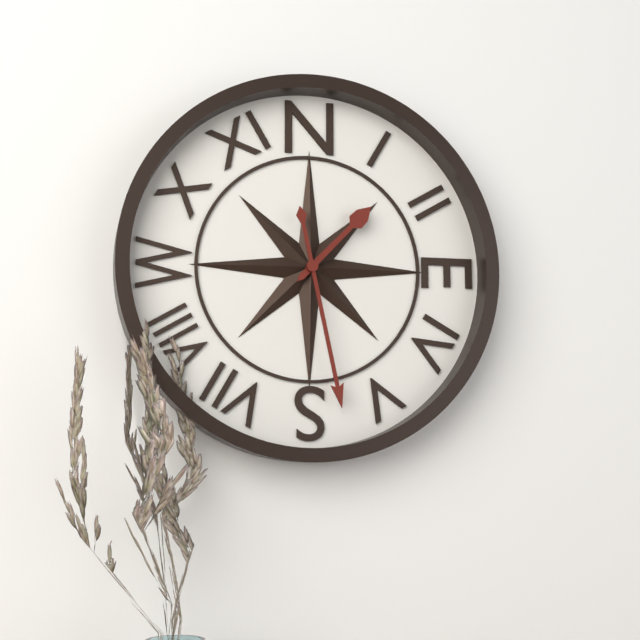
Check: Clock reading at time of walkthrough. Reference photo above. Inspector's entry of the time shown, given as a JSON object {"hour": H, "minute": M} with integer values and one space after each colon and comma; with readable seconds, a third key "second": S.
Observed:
{"hour": 1, "minute": 28}
